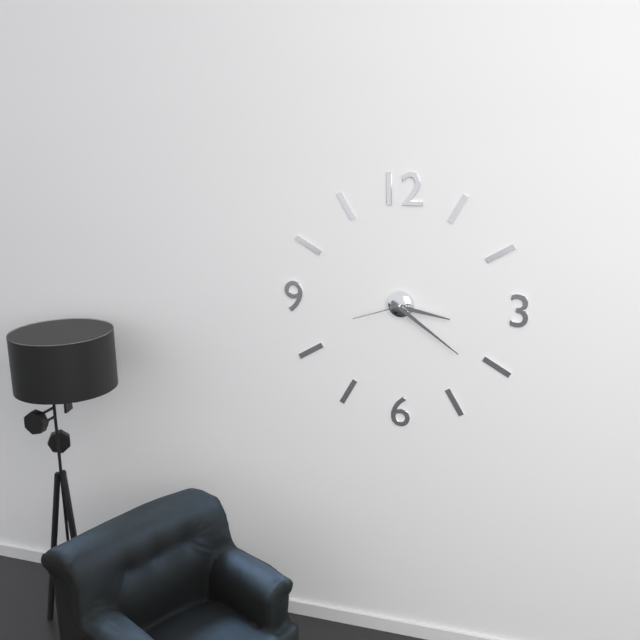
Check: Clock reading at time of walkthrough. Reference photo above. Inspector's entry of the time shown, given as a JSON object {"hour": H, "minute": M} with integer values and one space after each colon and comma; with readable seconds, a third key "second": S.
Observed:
{"hour": 3, "minute": 21, "second": 42}
